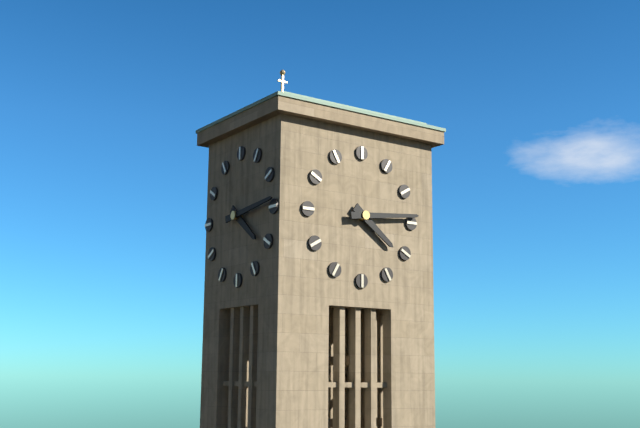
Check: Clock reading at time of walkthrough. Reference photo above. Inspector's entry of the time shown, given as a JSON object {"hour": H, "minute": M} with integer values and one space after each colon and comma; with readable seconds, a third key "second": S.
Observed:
{"hour": 4, "minute": 14}
